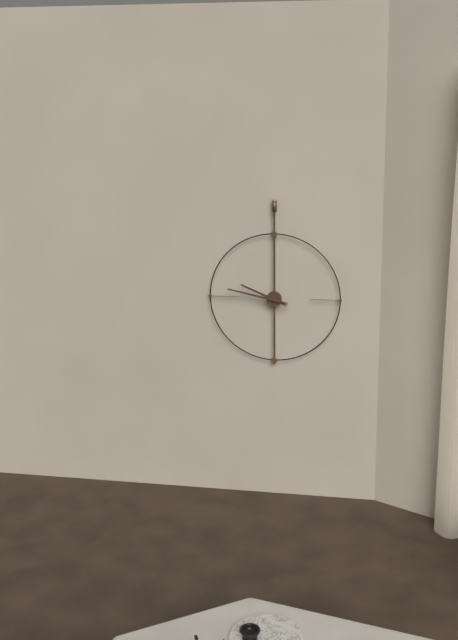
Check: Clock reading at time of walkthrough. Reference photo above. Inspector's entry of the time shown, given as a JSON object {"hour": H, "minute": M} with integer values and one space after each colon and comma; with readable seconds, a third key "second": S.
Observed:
{"hour": 9, "minute": 47}
